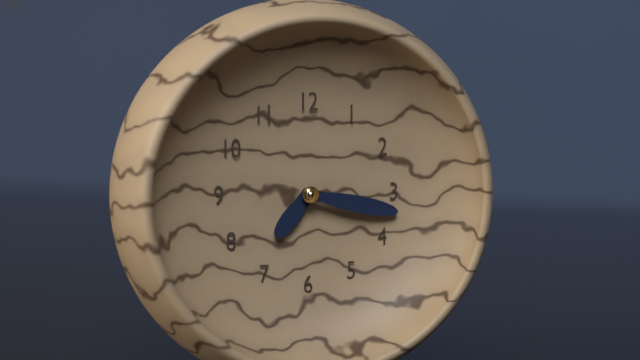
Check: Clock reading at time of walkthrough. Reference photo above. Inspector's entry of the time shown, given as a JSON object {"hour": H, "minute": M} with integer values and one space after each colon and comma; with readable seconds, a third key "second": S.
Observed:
{"hour": 7, "minute": 17}
